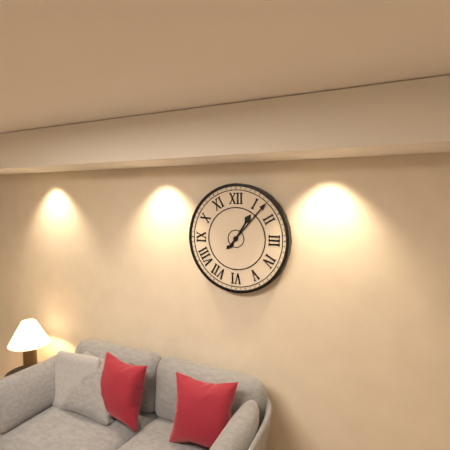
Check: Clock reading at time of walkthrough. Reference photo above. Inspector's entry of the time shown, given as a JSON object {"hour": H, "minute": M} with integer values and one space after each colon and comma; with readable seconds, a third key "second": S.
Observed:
{"hour": 1, "minute": 7}
